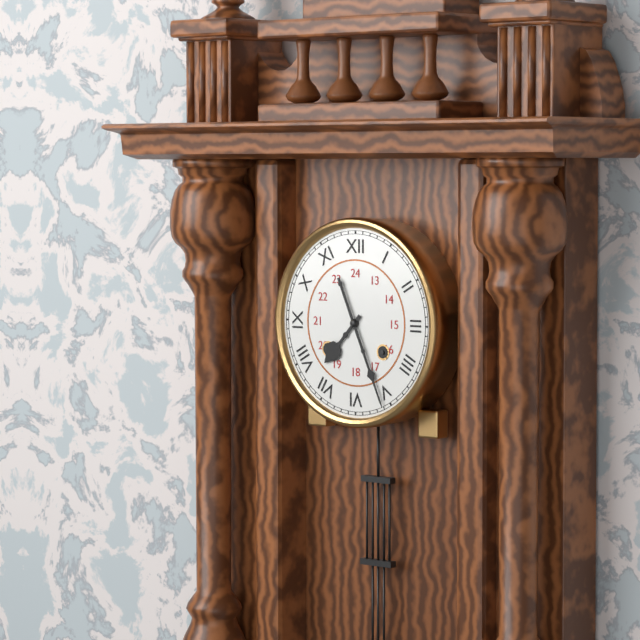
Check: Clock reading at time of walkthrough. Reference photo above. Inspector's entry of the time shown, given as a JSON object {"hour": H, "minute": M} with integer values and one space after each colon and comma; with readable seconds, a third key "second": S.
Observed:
{"hour": 7, "minute": 26}
